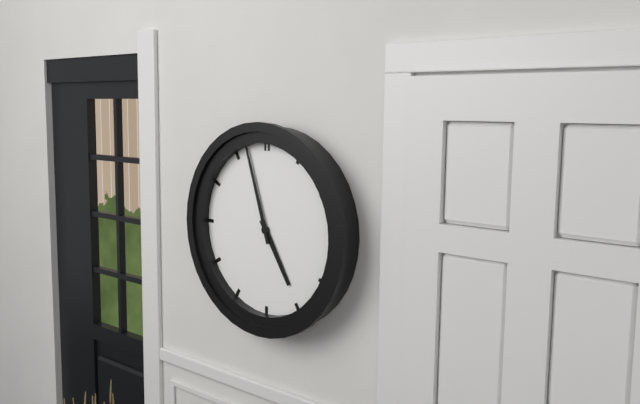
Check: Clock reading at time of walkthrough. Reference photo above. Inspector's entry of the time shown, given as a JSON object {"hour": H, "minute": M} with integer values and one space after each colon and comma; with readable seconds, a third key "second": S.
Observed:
{"hour": 4, "minute": 57}
